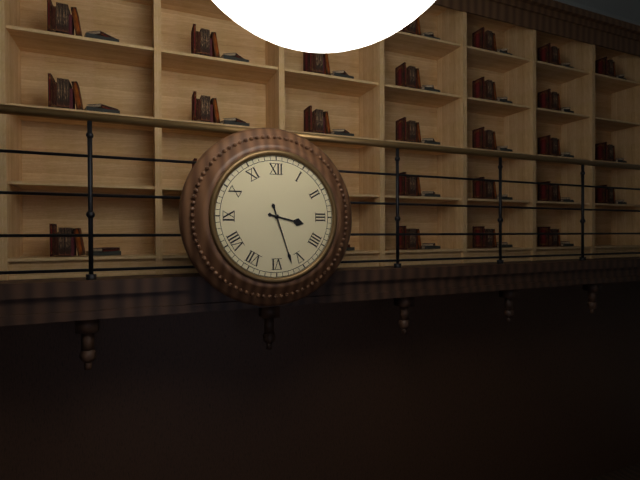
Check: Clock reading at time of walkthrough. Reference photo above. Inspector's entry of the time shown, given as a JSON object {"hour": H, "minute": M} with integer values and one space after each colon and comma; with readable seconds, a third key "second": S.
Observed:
{"hour": 3, "minute": 27}
